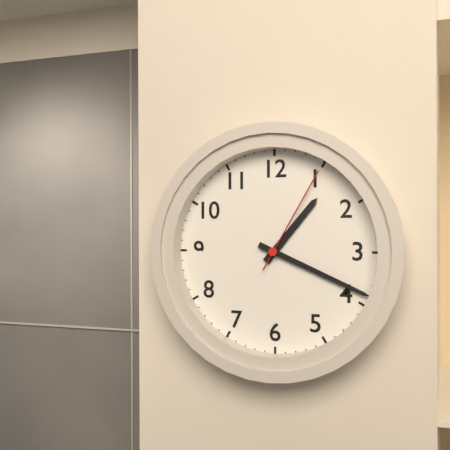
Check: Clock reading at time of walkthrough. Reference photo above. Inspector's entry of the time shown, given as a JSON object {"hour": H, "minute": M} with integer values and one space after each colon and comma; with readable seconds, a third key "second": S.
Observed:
{"hour": 1, "minute": 19, "second": 5}
